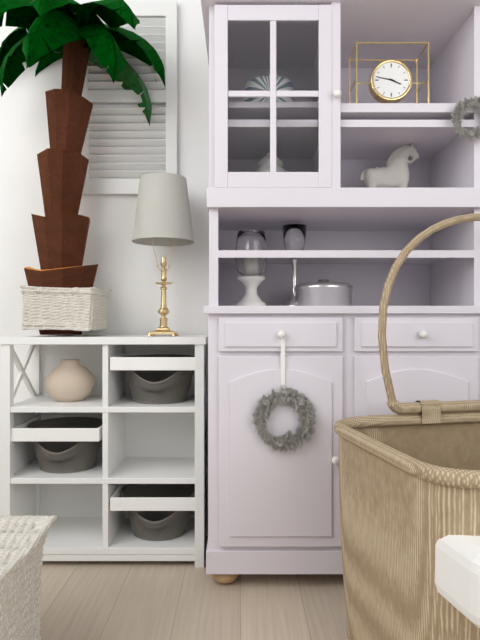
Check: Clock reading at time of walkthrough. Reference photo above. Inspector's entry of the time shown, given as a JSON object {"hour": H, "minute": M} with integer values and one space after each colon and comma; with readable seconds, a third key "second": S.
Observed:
{"hour": 3, "minute": 47}
